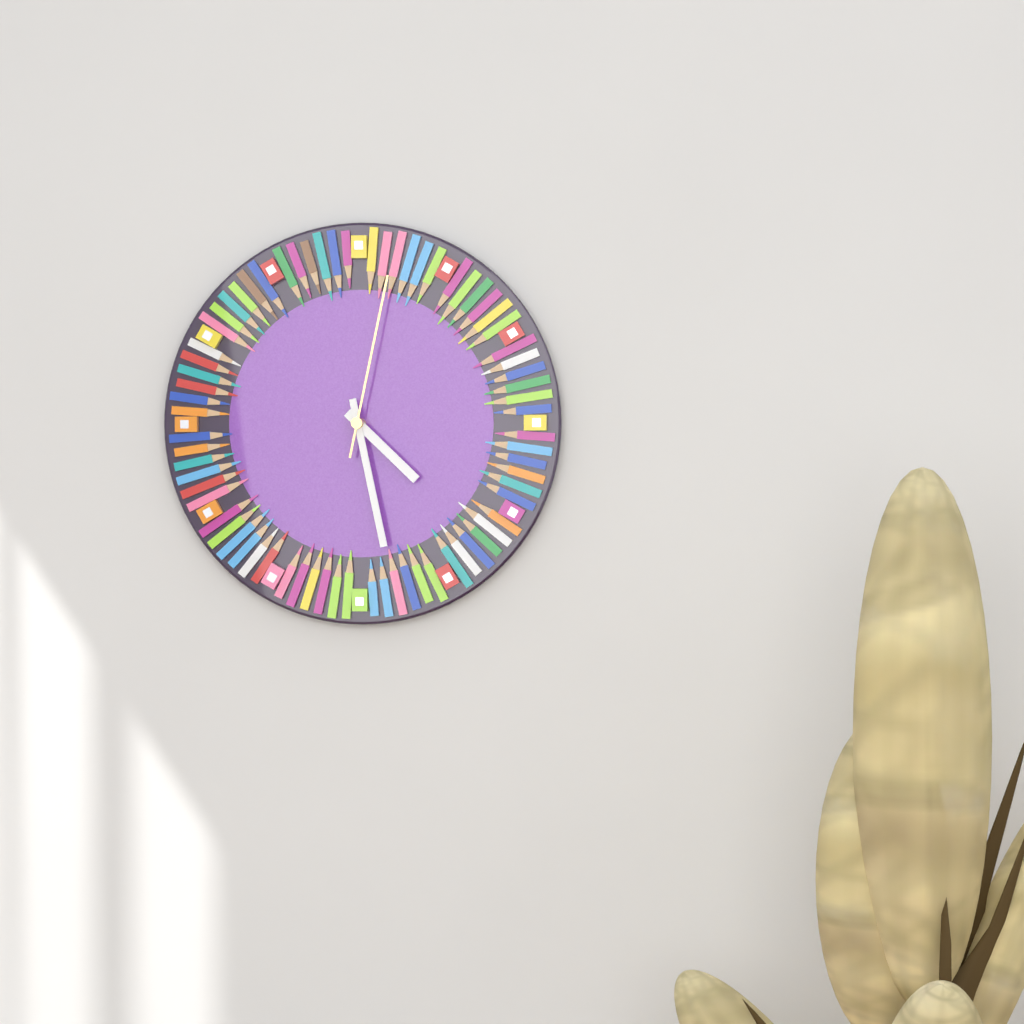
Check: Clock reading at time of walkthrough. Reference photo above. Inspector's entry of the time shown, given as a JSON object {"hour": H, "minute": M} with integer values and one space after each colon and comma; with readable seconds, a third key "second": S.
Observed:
{"hour": 4, "minute": 28, "second": 2}
